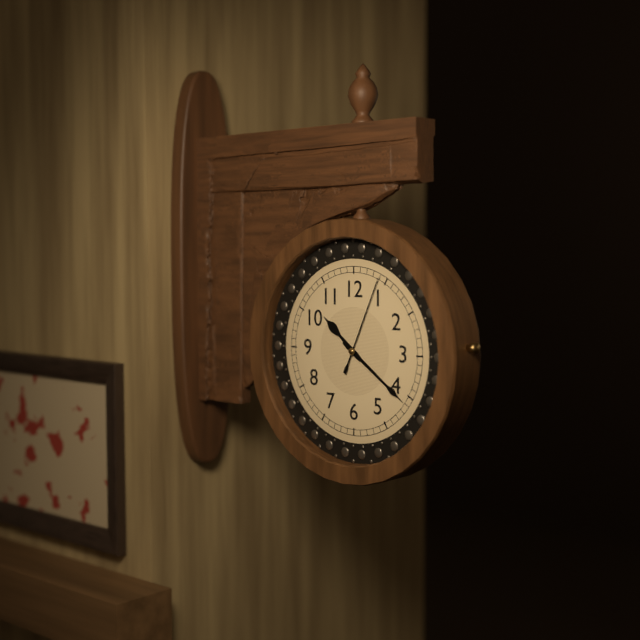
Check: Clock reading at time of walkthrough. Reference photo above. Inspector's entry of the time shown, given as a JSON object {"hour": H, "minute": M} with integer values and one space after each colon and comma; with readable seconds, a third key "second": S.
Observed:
{"hour": 10, "minute": 21, "second": 4}
